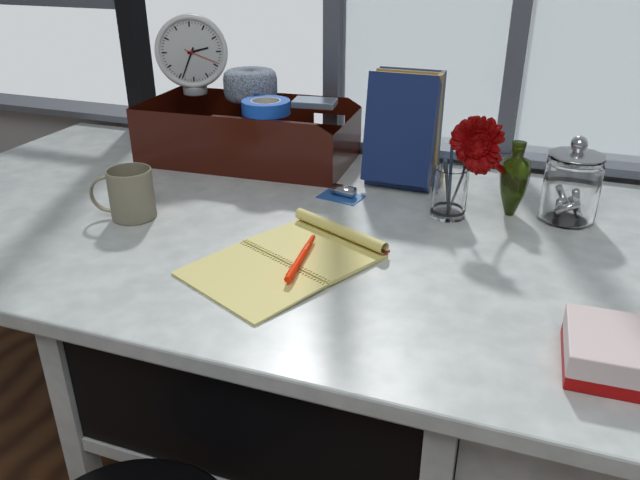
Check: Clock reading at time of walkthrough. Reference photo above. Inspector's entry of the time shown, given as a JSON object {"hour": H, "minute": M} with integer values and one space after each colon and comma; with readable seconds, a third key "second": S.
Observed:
{"hour": 2, "minute": 34}
